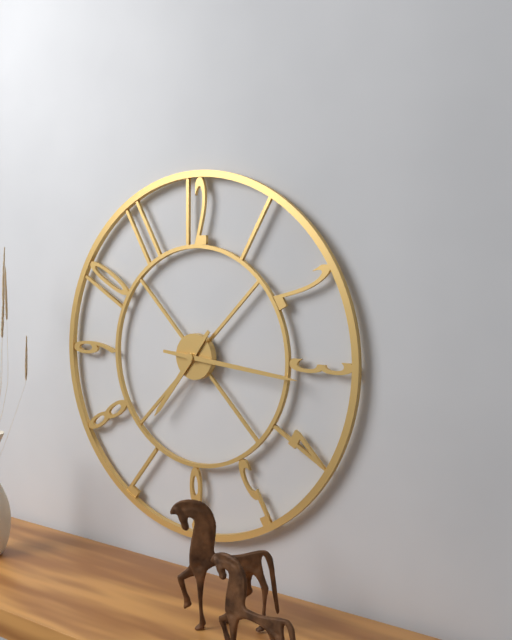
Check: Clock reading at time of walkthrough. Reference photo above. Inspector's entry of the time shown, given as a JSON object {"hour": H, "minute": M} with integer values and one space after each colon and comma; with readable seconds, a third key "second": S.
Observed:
{"hour": 7, "minute": 16}
